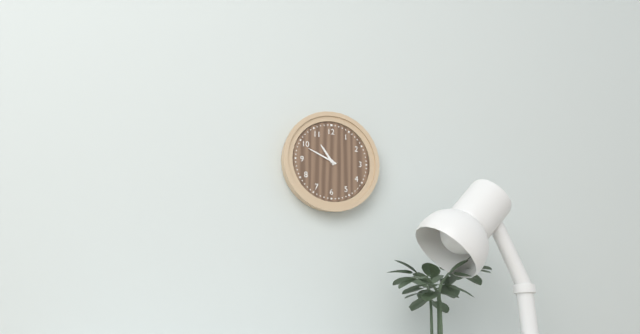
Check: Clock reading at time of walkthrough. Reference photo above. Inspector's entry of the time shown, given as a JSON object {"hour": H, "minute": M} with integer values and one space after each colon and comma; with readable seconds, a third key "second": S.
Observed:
{"hour": 10, "minute": 49}
